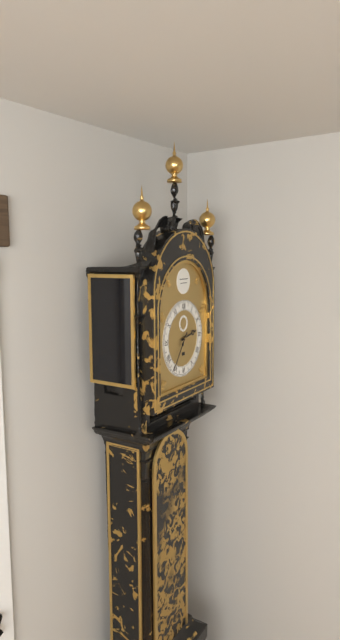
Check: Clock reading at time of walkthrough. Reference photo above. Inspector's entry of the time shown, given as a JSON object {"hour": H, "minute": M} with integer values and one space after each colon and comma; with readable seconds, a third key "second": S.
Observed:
{"hour": 2, "minute": 36}
